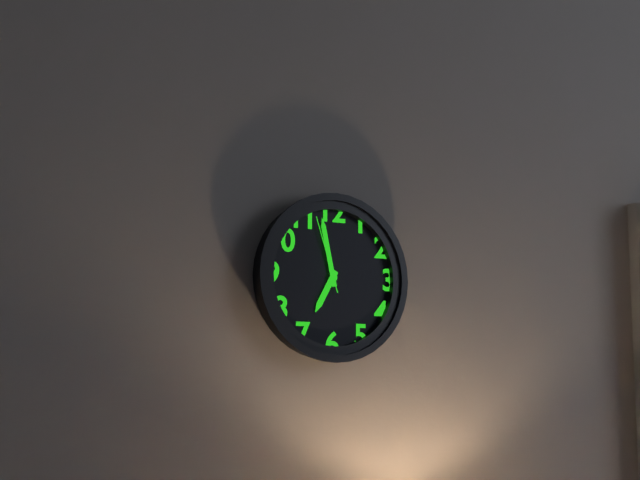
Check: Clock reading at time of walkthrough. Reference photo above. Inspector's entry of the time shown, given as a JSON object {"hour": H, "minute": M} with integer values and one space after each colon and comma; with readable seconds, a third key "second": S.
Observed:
{"hour": 6, "minute": 58, "second": 57}
